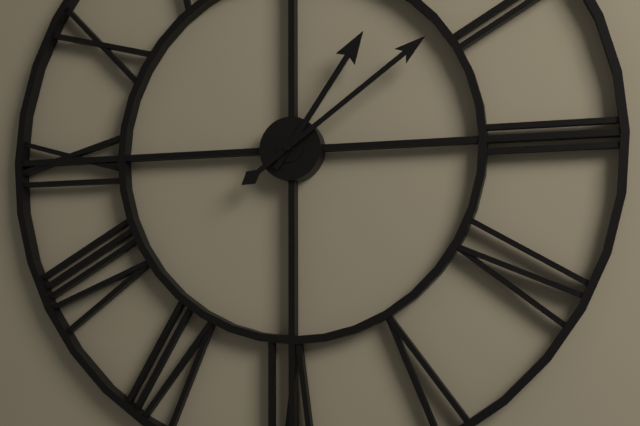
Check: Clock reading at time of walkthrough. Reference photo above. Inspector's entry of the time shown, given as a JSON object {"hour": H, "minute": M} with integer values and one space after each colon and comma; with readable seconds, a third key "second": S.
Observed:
{"hour": 1, "minute": 9}
